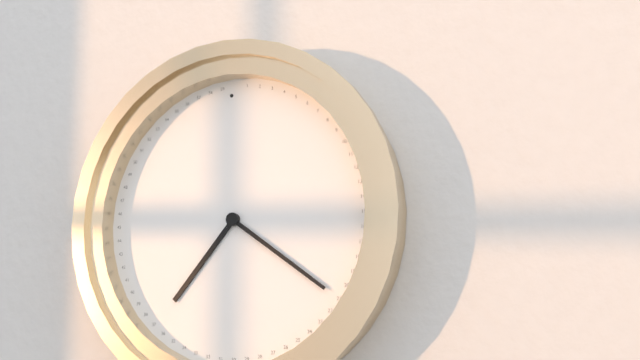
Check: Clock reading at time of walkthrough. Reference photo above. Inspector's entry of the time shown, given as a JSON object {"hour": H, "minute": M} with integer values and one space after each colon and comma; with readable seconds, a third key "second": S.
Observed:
{"hour": 7, "minute": 21}
